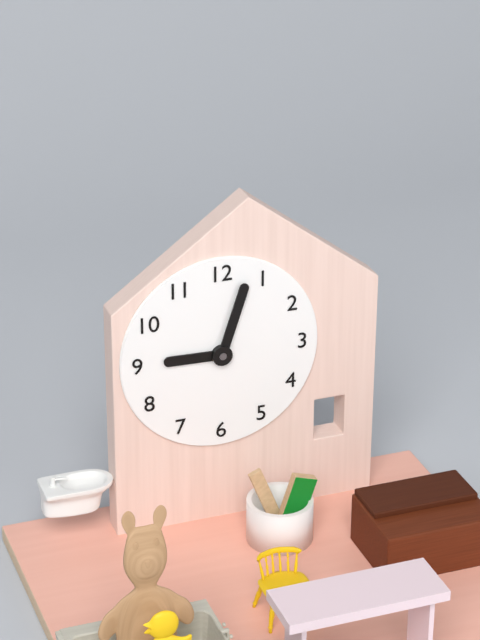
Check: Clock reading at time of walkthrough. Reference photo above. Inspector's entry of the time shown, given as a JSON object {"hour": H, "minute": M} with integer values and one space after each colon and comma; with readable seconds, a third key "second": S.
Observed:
{"hour": 9, "minute": 3}
